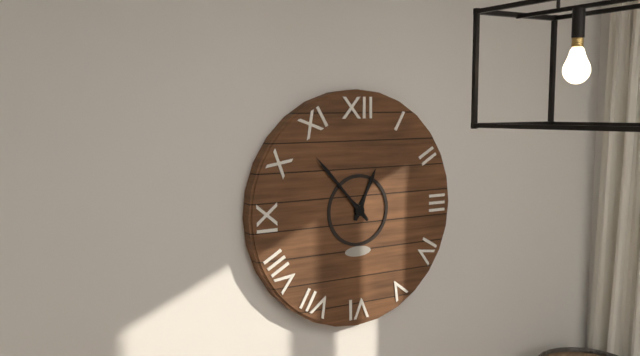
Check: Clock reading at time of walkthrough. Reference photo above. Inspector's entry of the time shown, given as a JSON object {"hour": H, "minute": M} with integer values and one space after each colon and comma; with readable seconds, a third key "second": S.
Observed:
{"hour": 12, "minute": 53}
